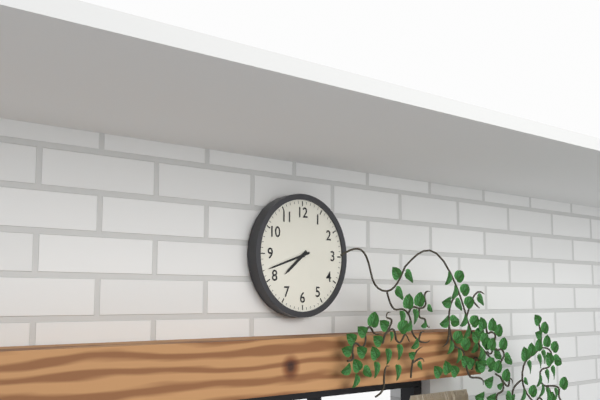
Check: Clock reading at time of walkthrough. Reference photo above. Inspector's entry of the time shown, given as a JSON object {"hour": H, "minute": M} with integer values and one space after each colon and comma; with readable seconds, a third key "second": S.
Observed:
{"hour": 7, "minute": 42}
